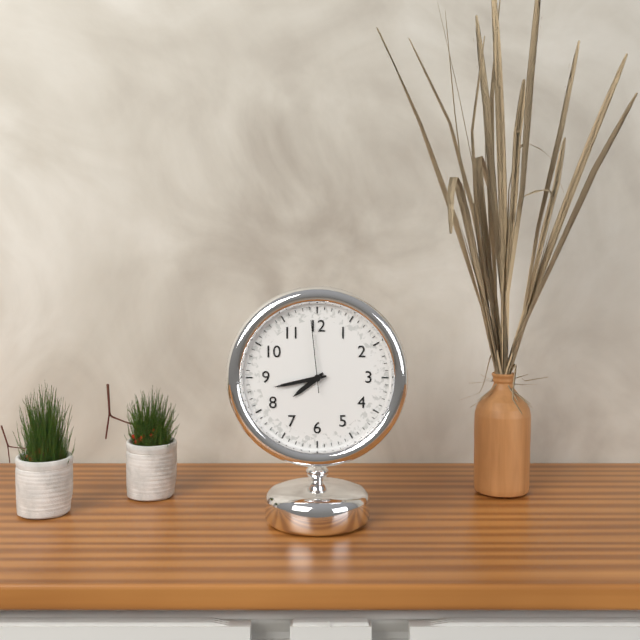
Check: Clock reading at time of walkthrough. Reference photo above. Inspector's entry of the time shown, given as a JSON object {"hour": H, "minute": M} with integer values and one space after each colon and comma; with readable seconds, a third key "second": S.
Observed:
{"hour": 7, "minute": 43, "second": 59}
